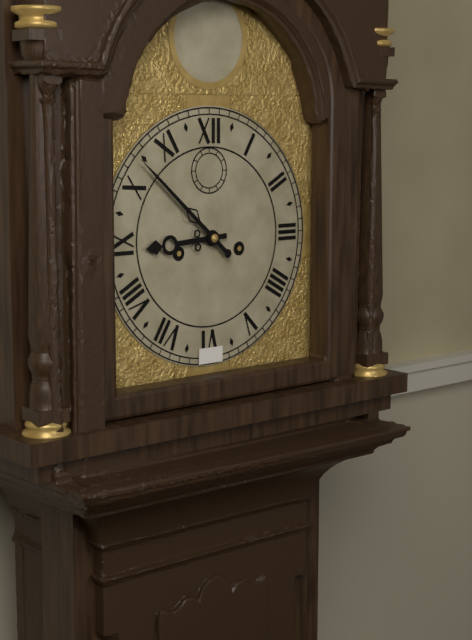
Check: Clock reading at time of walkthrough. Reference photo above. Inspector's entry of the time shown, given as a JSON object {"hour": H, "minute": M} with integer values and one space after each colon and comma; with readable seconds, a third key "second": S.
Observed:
{"hour": 8, "minute": 52}
